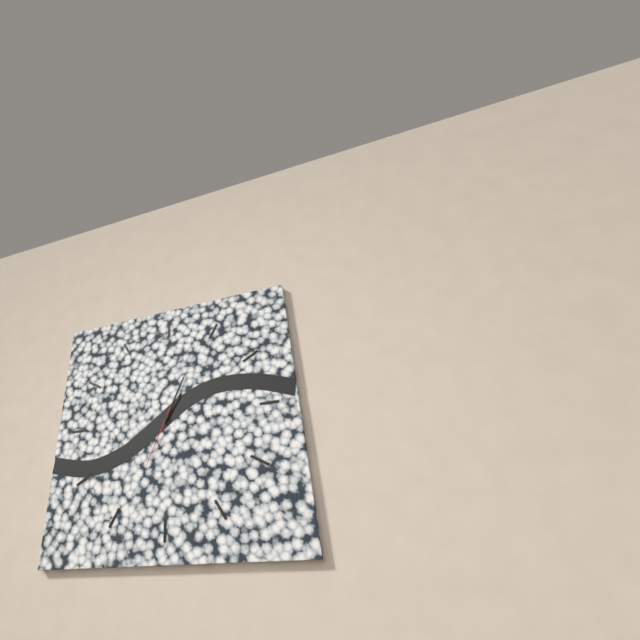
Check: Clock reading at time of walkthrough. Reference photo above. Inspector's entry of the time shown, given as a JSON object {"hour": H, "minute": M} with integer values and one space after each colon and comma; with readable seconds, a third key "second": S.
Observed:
{"hour": 1, "minute": 4, "second": 34}
